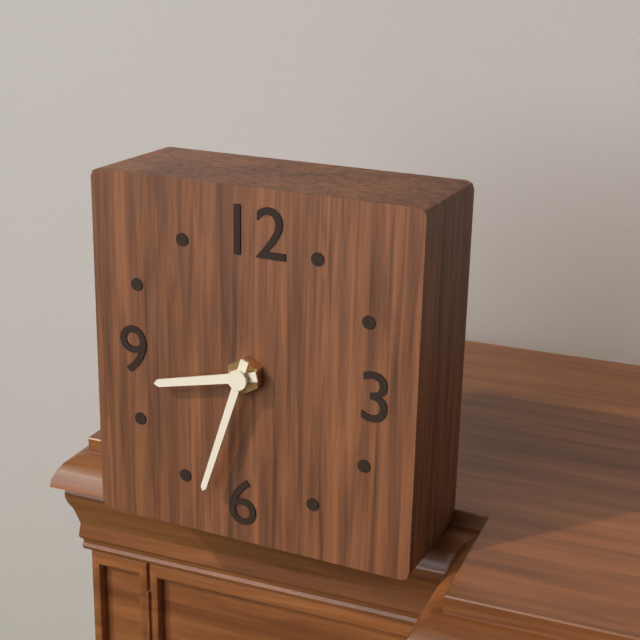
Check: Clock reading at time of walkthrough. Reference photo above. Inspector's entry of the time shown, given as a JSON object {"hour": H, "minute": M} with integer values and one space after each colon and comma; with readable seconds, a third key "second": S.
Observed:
{"hour": 8, "minute": 33}
